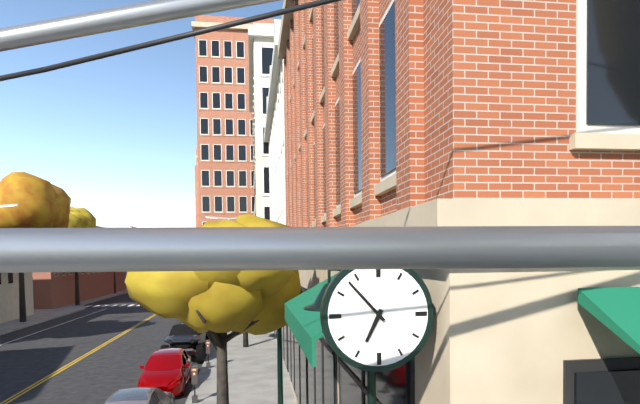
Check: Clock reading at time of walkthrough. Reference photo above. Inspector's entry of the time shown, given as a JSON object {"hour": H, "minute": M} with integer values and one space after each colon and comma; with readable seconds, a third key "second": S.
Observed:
{"hour": 6, "minute": 53}
